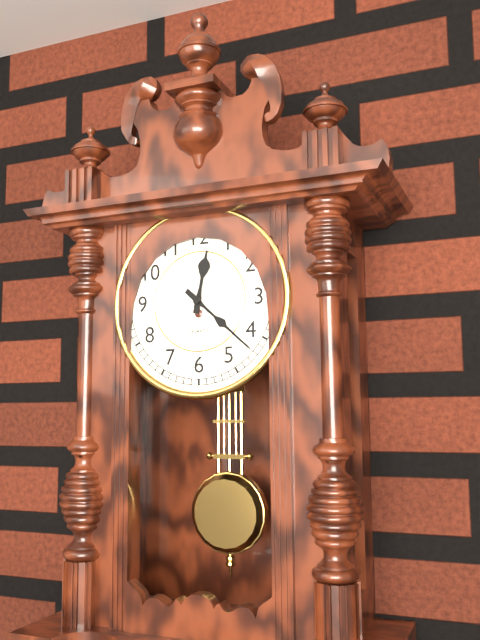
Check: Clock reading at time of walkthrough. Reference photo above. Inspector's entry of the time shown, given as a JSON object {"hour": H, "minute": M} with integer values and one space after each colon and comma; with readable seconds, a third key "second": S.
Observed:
{"hour": 12, "minute": 22}
